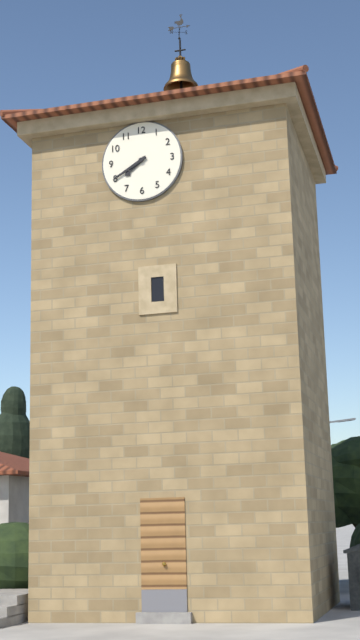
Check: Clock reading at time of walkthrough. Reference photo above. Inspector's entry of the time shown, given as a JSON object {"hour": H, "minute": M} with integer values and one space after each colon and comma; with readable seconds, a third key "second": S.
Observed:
{"hour": 7, "minute": 40}
